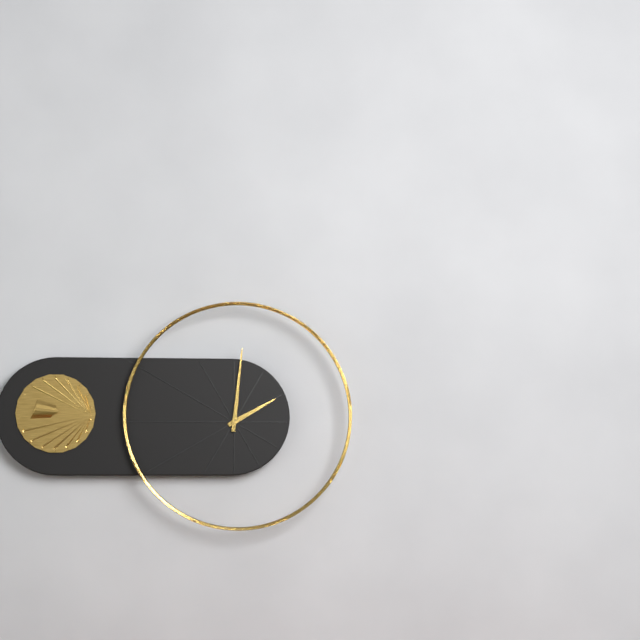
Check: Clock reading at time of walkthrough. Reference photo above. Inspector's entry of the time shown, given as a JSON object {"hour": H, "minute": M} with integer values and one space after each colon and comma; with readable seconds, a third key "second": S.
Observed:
{"hour": 2, "minute": 1}
